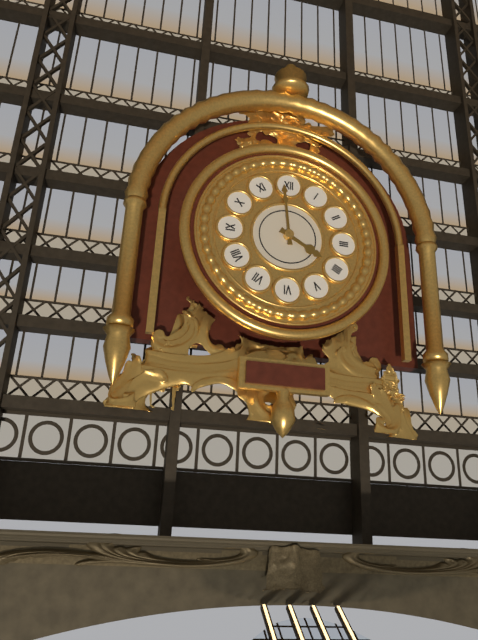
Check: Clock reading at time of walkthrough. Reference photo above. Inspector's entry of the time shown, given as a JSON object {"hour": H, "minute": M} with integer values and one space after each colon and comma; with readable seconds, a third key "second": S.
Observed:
{"hour": 3, "minute": 59}
